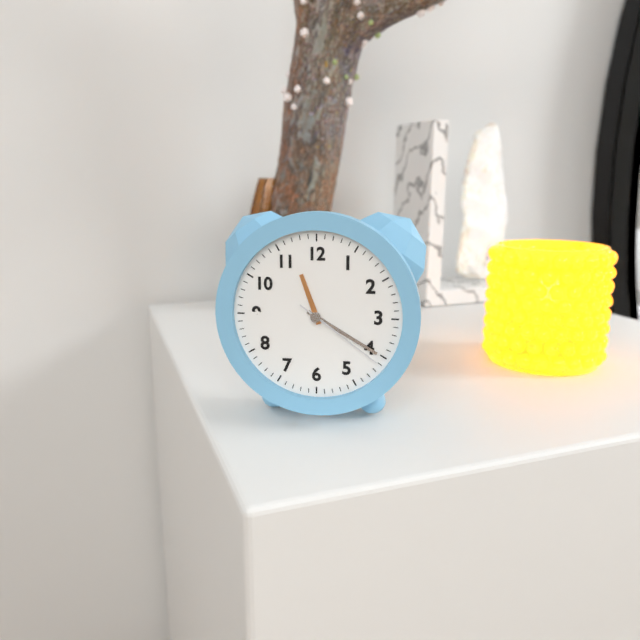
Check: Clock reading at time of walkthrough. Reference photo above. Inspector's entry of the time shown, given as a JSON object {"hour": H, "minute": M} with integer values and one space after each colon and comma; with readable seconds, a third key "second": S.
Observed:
{"hour": 11, "minute": 20, "second": 21}
